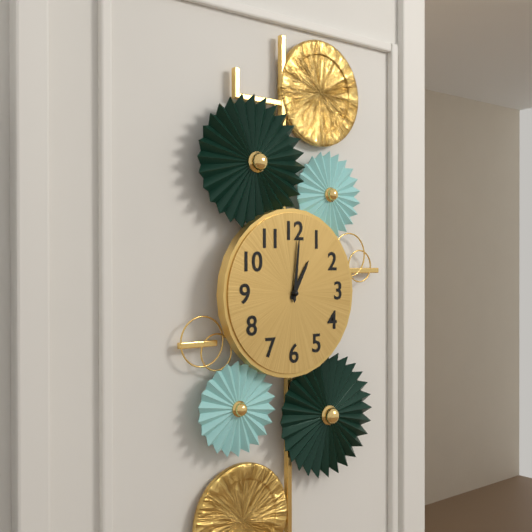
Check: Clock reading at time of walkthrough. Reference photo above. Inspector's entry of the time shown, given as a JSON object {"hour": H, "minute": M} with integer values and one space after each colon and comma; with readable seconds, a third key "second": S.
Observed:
{"hour": 1, "minute": 1}
